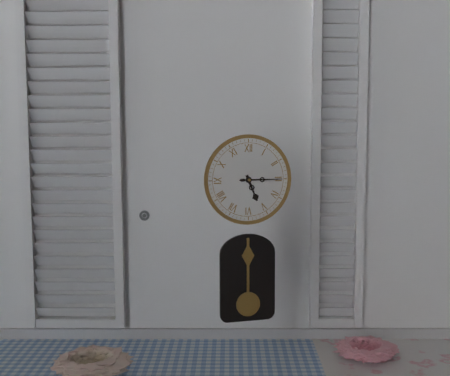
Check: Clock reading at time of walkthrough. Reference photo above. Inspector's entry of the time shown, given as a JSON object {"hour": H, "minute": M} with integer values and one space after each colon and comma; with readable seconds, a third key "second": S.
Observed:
{"hour": 5, "minute": 15}
